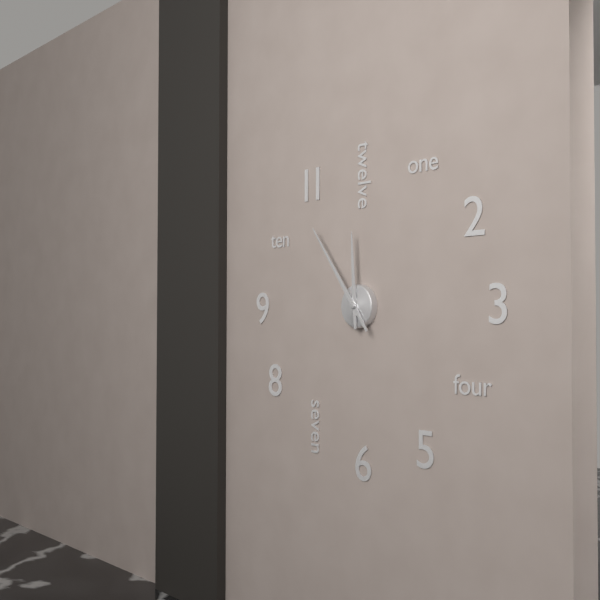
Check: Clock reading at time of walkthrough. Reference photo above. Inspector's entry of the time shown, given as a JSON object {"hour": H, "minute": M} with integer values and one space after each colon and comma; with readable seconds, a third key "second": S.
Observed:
{"hour": 11, "minute": 54}
